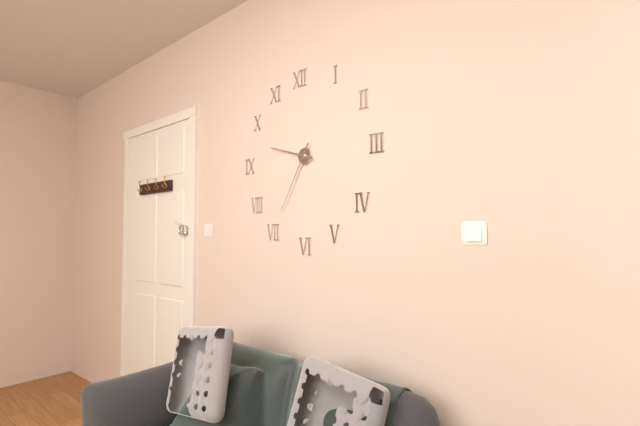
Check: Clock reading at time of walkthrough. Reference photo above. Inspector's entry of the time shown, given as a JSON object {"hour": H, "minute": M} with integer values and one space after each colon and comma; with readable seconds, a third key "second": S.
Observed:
{"hour": 9, "minute": 35}
